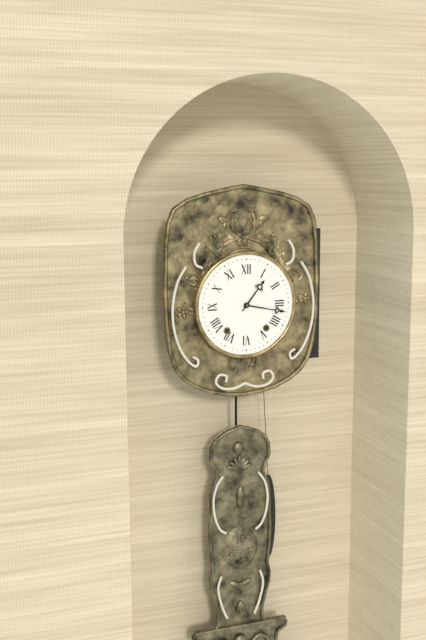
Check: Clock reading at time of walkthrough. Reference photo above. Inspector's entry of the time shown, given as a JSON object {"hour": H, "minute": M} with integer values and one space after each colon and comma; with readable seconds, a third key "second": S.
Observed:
{"hour": 1, "minute": 17}
